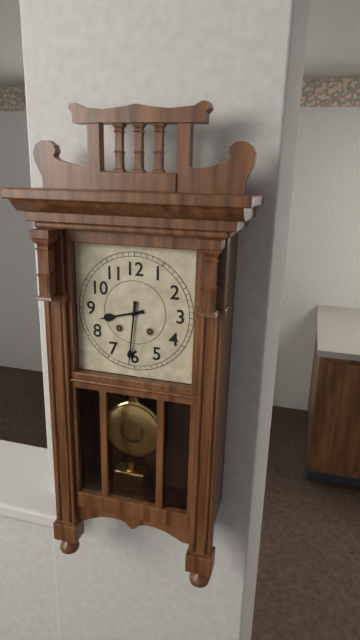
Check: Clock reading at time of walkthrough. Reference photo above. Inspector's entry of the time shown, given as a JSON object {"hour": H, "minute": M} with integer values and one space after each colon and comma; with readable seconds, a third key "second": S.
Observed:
{"hour": 8, "minute": 31}
